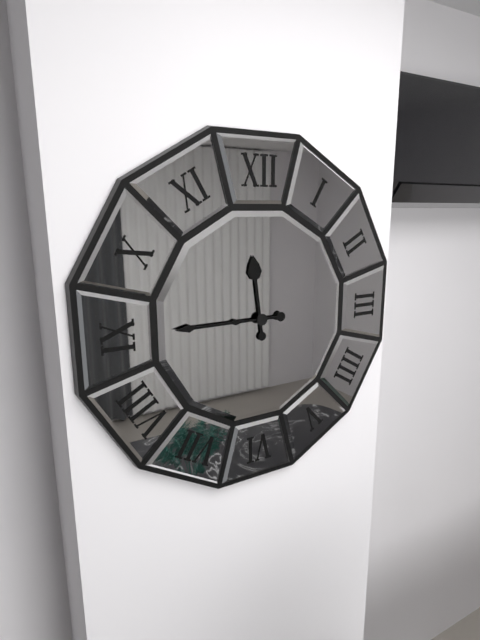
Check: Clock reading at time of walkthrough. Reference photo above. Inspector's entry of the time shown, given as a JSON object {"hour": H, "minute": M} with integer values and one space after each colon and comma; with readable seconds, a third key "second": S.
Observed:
{"hour": 11, "minute": 45}
